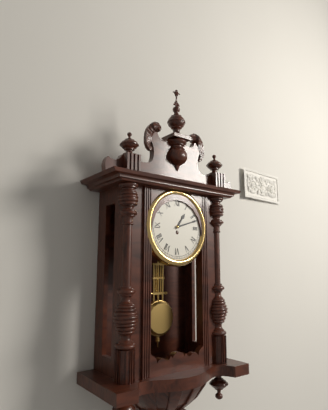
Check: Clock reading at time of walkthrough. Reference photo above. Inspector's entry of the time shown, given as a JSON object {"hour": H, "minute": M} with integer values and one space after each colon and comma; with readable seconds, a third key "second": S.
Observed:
{"hour": 1, "minute": 12}
